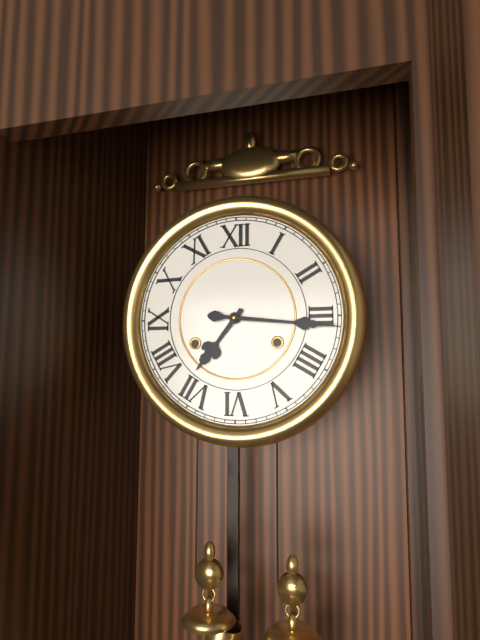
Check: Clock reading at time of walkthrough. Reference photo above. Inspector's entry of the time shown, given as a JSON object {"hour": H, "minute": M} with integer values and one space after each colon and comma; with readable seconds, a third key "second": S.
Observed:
{"hour": 7, "minute": 16}
